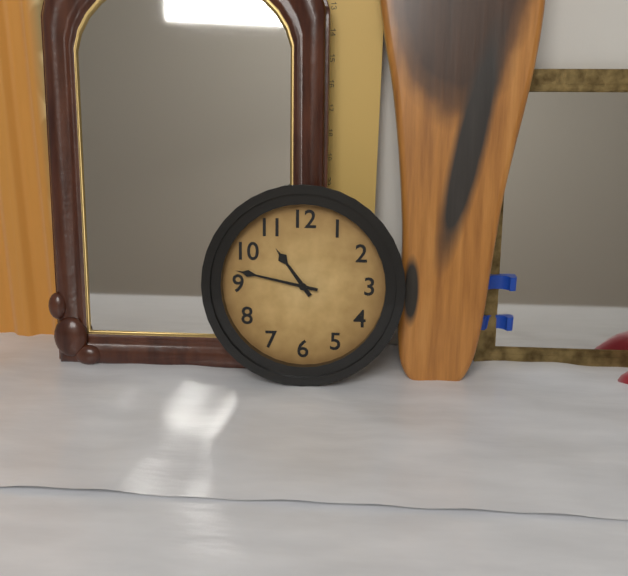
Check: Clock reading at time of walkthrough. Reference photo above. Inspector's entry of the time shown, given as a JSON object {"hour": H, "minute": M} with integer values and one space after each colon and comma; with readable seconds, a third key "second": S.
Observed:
{"hour": 10, "minute": 47}
